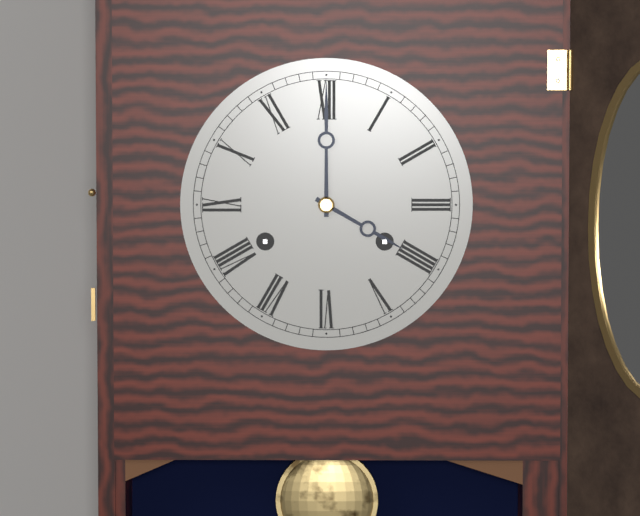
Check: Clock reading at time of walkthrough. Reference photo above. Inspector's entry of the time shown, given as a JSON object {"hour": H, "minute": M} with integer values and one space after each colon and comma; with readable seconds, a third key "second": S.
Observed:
{"hour": 4, "minute": 0}
